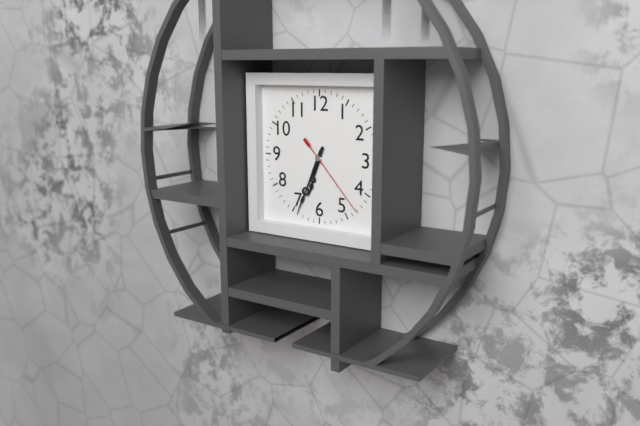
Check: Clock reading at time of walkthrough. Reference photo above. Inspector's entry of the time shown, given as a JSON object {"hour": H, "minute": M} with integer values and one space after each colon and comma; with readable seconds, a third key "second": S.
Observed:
{"hour": 6, "minute": 34, "second": 23}
